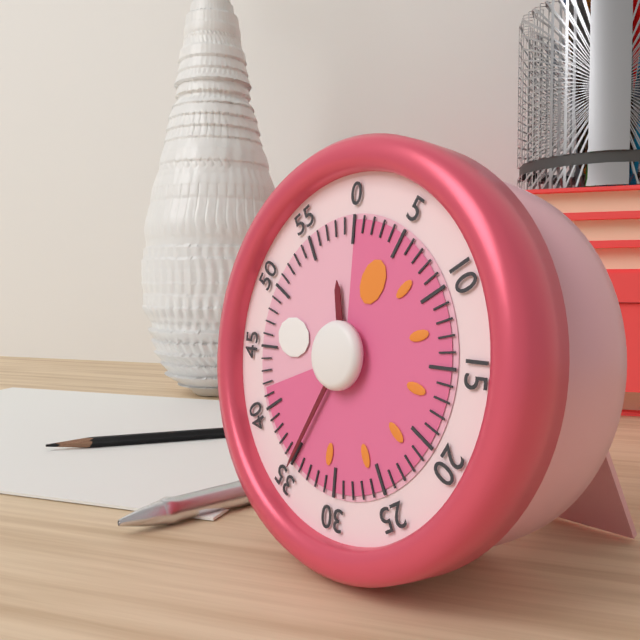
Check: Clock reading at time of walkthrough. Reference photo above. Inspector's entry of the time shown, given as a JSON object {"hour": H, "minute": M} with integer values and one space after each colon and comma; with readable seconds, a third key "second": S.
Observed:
{"hour": 11, "minute": 35}
